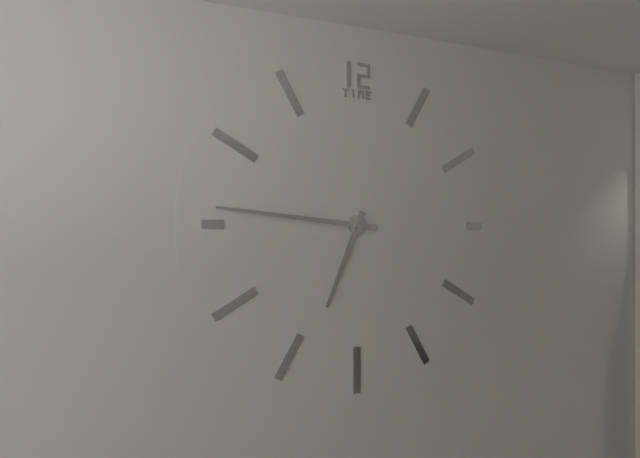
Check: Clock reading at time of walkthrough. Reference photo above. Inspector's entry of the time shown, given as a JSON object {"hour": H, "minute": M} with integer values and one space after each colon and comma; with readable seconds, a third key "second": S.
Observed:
{"hour": 6, "minute": 46}
